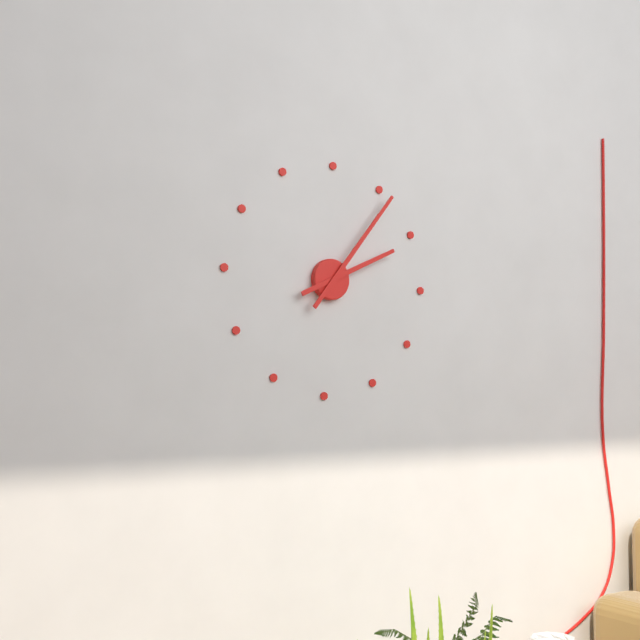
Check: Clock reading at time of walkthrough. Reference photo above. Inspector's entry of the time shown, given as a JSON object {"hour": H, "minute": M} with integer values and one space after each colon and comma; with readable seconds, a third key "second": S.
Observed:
{"hour": 2, "minute": 6}
